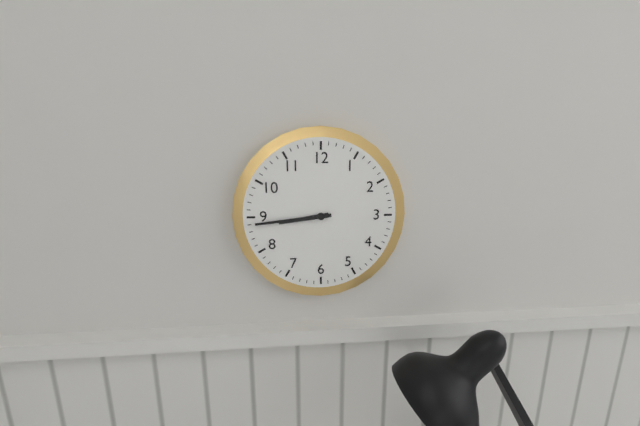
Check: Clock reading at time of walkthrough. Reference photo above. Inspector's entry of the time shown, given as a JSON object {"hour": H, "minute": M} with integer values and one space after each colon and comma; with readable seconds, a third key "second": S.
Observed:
{"hour": 8, "minute": 44}
